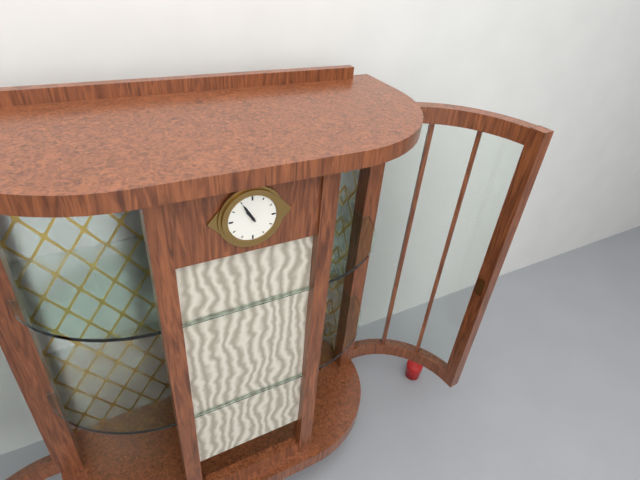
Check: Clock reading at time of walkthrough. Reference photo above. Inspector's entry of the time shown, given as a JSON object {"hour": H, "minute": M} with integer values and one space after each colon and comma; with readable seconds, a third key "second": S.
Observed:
{"hour": 10, "minute": 55}
